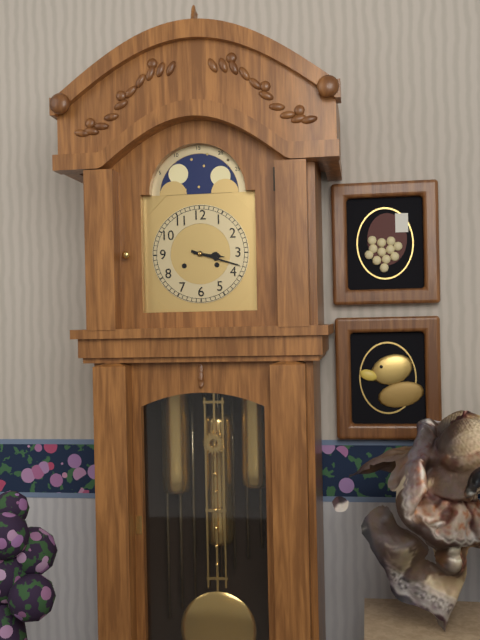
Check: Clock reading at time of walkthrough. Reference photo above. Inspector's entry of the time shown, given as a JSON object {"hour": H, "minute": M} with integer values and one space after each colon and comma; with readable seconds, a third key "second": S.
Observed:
{"hour": 3, "minute": 18}
